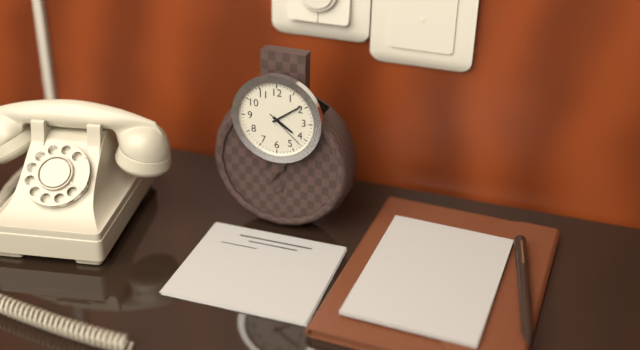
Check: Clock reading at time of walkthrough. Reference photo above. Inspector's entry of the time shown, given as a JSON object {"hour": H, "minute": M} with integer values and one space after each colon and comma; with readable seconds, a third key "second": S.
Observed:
{"hour": 4, "minute": 9}
